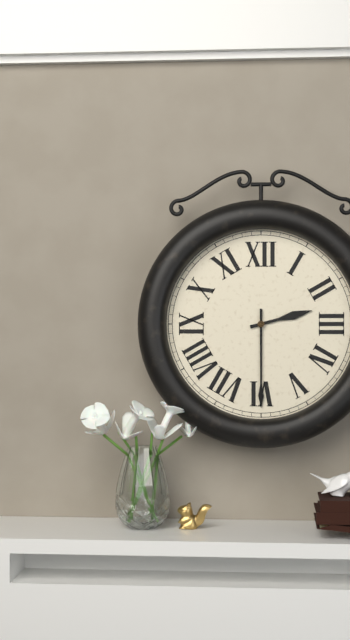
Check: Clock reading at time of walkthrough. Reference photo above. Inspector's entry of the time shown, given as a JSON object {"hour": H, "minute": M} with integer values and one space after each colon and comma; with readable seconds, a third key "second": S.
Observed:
{"hour": 2, "minute": 30}
